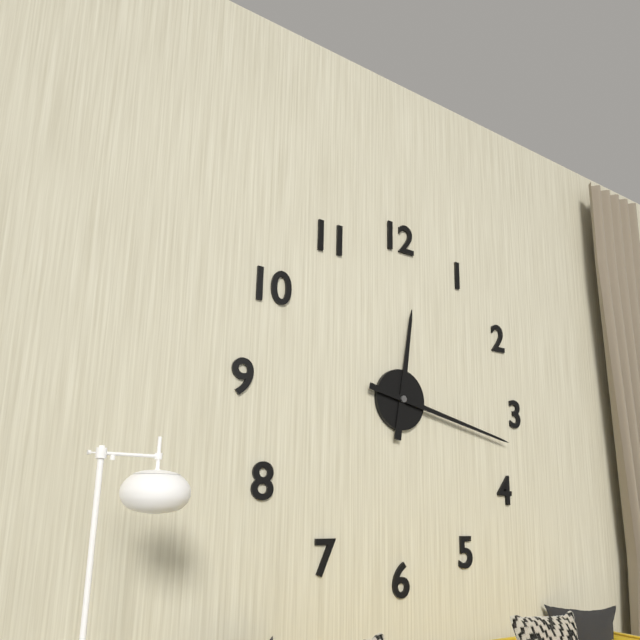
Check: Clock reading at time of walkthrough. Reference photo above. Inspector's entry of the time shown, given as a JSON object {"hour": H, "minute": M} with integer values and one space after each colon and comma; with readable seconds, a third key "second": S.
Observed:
{"hour": 12, "minute": 17}
